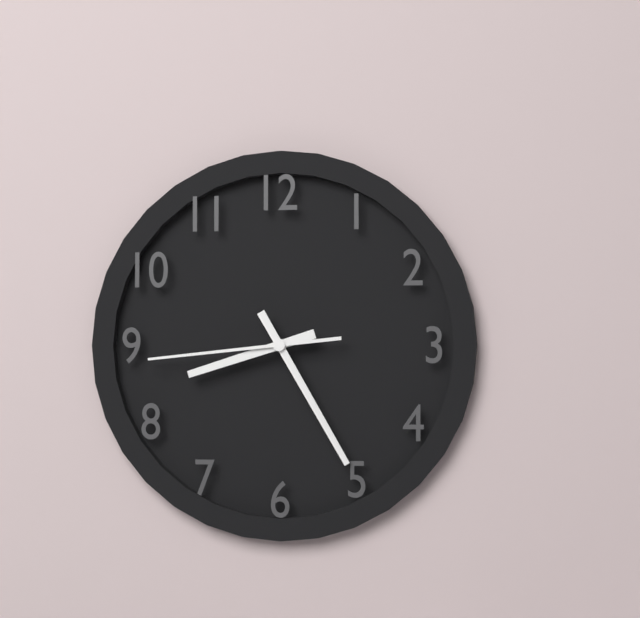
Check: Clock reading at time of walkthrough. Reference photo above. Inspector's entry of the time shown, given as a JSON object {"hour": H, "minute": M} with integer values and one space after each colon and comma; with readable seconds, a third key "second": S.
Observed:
{"hour": 8, "minute": 25, "second": 44}
